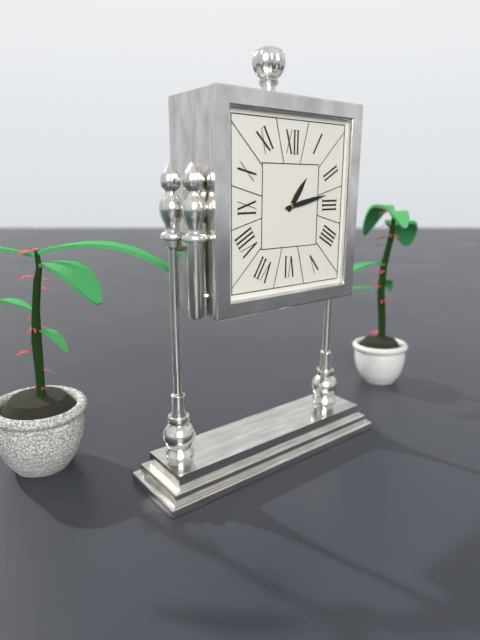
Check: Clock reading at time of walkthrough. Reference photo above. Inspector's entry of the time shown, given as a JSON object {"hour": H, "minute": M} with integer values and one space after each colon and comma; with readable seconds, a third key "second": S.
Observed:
{"hour": 1, "minute": 13}
